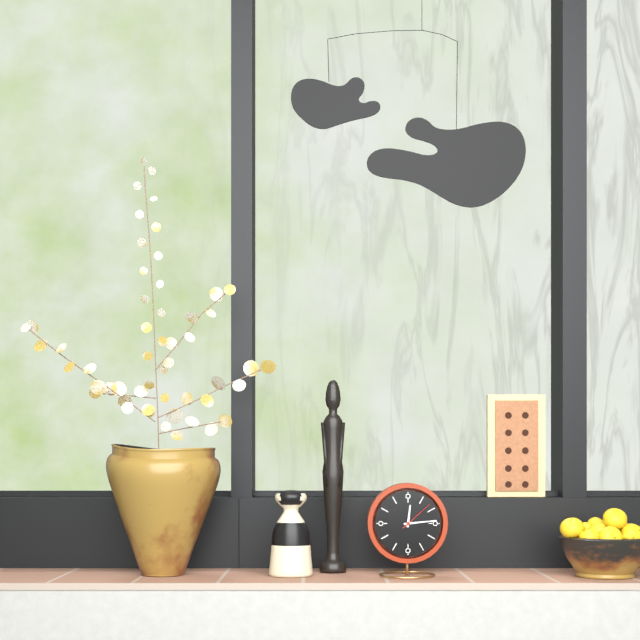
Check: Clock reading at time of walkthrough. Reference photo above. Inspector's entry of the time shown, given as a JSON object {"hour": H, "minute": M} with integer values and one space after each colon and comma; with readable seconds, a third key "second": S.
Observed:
{"hour": 12, "minute": 14}
